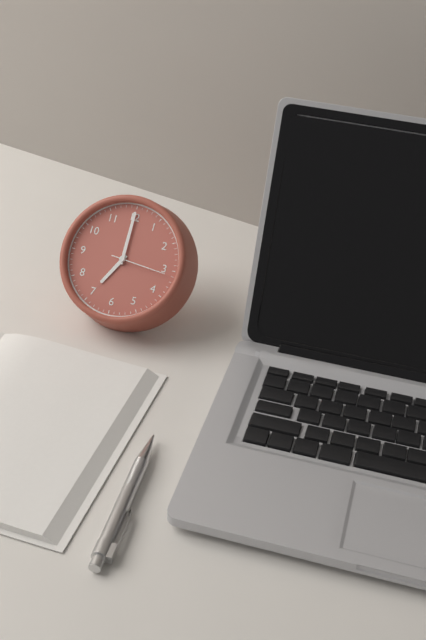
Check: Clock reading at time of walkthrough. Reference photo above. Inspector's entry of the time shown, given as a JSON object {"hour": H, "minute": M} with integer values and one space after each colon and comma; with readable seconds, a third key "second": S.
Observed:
{"hour": 7, "minute": 0, "second": 16}
